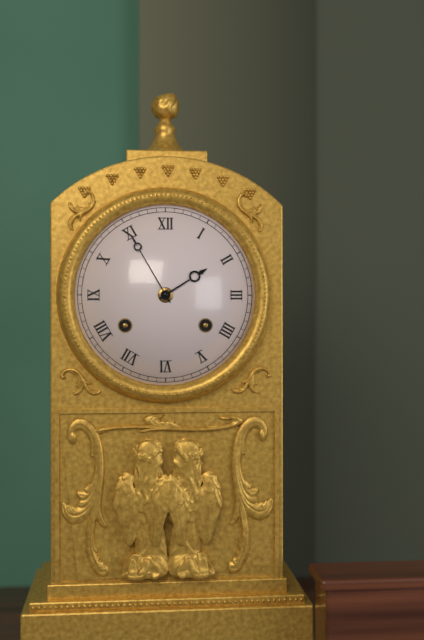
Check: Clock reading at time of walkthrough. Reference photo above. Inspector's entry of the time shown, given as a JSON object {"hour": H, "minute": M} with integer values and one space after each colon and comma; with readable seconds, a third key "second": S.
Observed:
{"hour": 1, "minute": 55}
